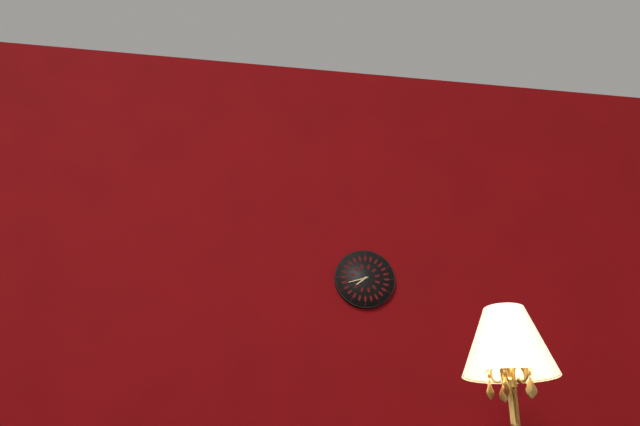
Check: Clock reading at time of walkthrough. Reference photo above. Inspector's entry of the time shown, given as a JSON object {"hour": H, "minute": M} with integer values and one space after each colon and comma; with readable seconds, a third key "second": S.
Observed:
{"hour": 7, "minute": 42}
